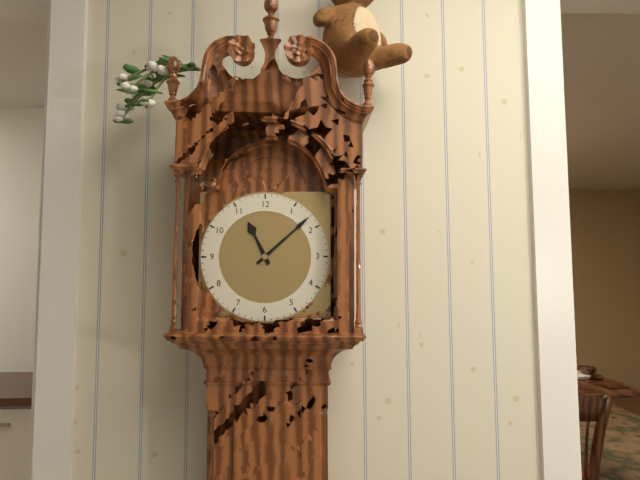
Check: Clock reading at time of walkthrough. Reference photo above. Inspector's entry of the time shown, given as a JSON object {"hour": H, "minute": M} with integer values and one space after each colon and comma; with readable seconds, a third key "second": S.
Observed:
{"hour": 11, "minute": 8}
